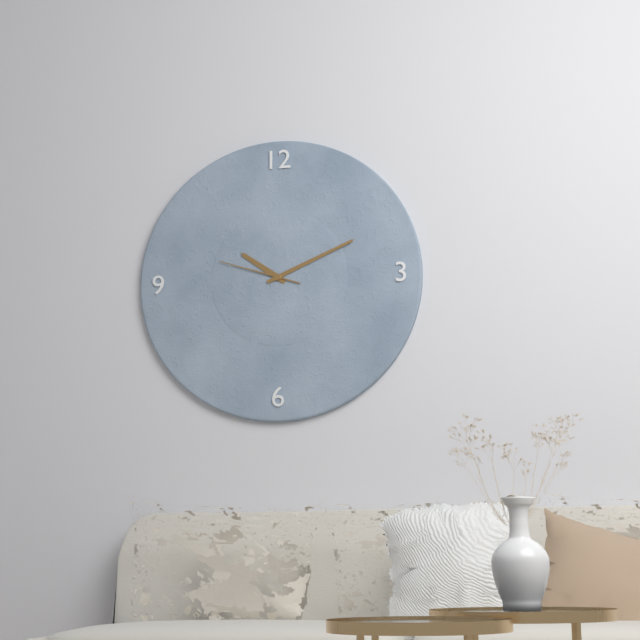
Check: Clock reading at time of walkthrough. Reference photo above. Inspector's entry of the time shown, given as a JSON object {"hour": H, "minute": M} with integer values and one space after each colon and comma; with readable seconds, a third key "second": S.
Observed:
{"hour": 10, "minute": 11, "second": 48}
